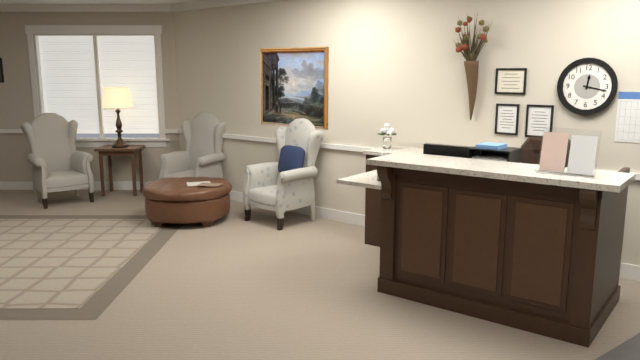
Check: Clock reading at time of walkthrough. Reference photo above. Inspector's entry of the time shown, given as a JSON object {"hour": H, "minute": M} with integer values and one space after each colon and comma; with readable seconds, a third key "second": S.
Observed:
{"hour": 12, "minute": 17}
